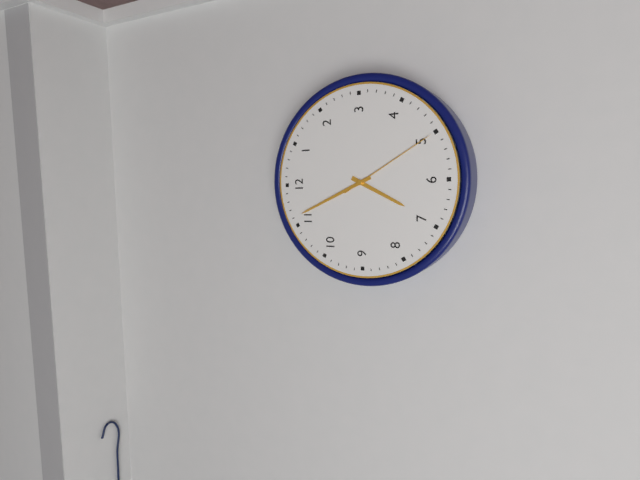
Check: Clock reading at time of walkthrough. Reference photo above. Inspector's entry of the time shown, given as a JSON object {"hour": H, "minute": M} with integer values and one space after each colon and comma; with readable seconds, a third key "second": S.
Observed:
{"hour": 6, "minute": 56, "second": 25}
